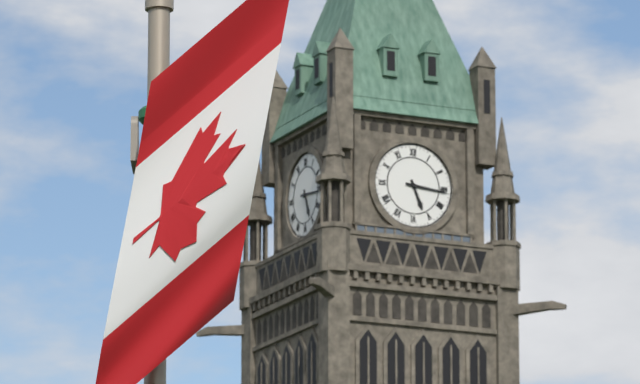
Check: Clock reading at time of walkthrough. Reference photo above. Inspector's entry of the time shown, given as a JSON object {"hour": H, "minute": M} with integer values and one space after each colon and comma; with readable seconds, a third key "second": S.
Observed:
{"hour": 5, "minute": 16}
